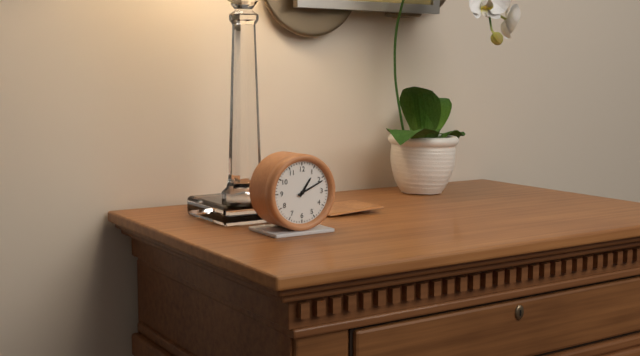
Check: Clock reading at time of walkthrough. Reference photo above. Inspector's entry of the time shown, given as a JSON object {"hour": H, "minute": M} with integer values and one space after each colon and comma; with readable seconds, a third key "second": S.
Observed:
{"hour": 1, "minute": 11}
